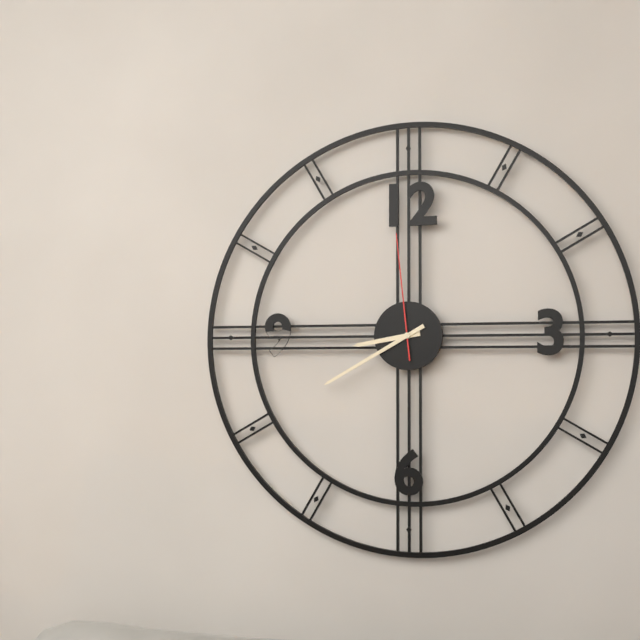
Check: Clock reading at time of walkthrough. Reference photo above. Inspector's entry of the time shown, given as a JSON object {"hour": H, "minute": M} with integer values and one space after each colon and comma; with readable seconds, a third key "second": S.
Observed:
{"hour": 8, "minute": 40, "second": 59}
